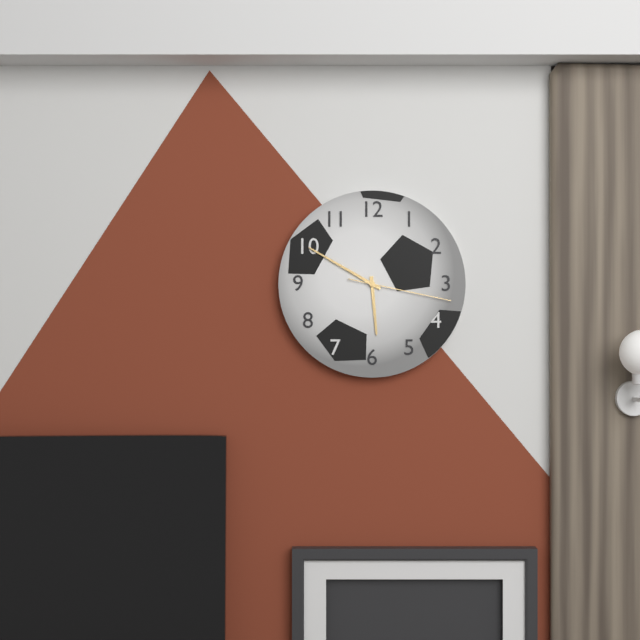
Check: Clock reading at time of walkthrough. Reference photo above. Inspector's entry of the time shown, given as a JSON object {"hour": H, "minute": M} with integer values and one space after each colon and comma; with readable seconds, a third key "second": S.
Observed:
{"hour": 5, "minute": 50, "second": 17}
